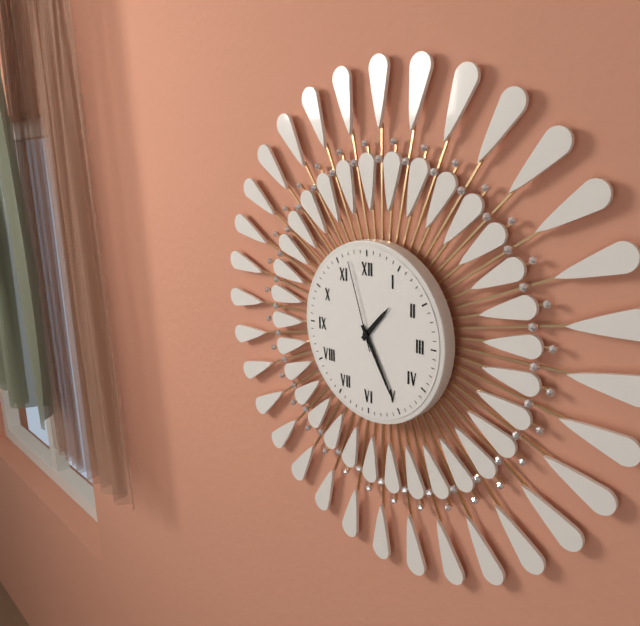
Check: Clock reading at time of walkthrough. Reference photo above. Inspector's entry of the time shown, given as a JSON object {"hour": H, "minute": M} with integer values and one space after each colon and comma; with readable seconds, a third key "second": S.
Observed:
{"hour": 1, "minute": 25, "second": 57}
